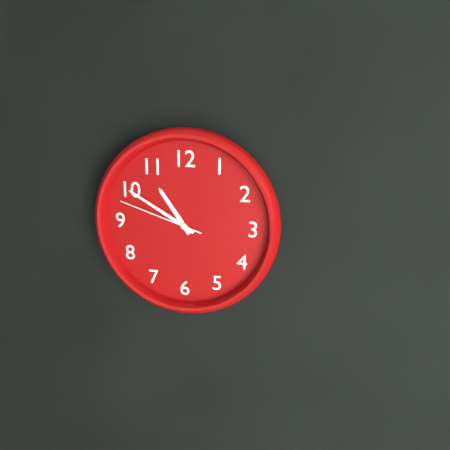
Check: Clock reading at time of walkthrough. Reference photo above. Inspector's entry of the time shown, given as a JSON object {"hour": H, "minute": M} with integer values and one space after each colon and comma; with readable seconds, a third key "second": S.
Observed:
{"hour": 10, "minute": 50, "second": 48}
